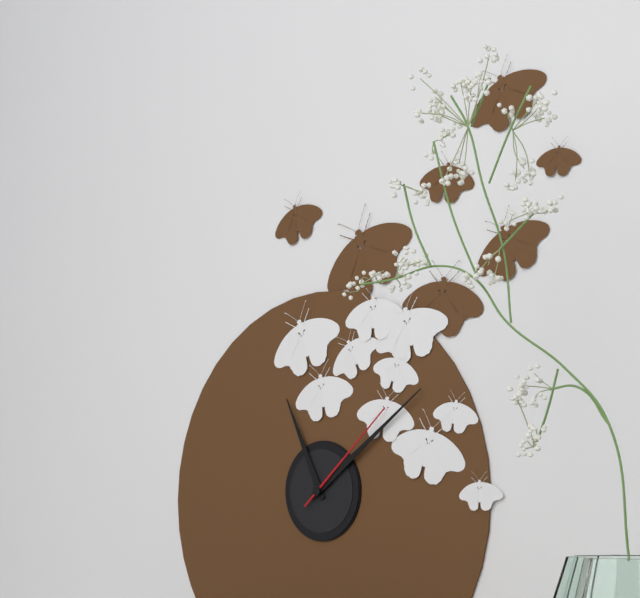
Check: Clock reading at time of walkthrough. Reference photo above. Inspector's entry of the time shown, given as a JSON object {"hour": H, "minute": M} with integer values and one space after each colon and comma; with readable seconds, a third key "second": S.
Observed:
{"hour": 11, "minute": 9, "second": 8}
